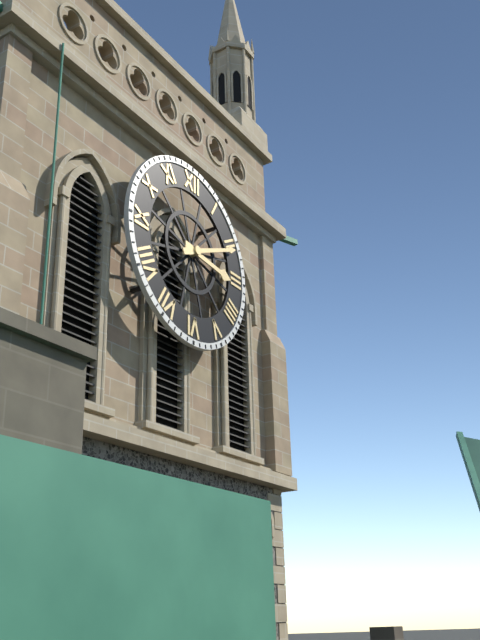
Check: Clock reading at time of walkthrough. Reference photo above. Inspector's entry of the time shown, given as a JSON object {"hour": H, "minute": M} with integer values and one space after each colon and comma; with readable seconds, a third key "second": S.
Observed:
{"hour": 3, "minute": 11}
